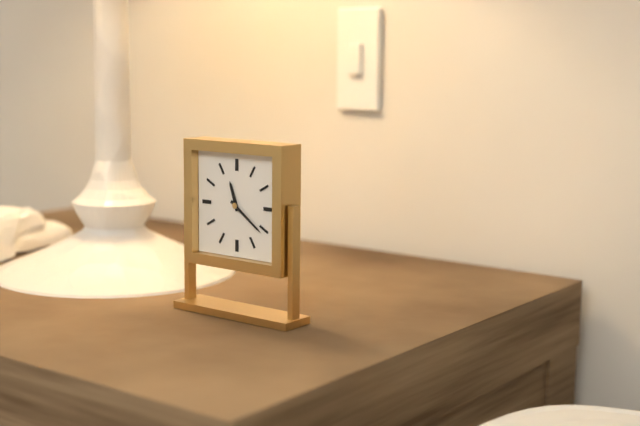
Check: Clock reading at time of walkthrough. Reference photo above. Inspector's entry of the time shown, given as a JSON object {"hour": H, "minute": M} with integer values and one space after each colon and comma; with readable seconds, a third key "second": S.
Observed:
{"hour": 11, "minute": 21}
